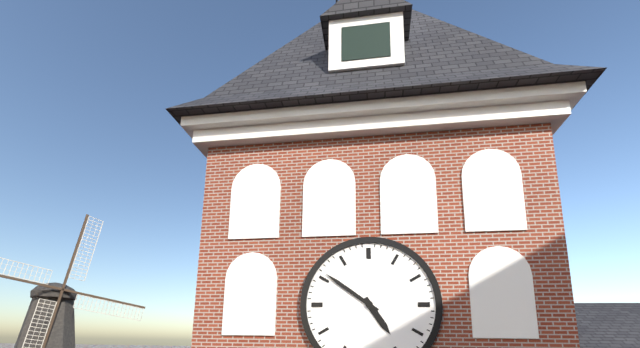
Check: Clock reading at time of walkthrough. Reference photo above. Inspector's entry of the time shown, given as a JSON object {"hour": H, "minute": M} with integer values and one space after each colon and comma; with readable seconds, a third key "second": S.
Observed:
{"hour": 4, "minute": 51}
